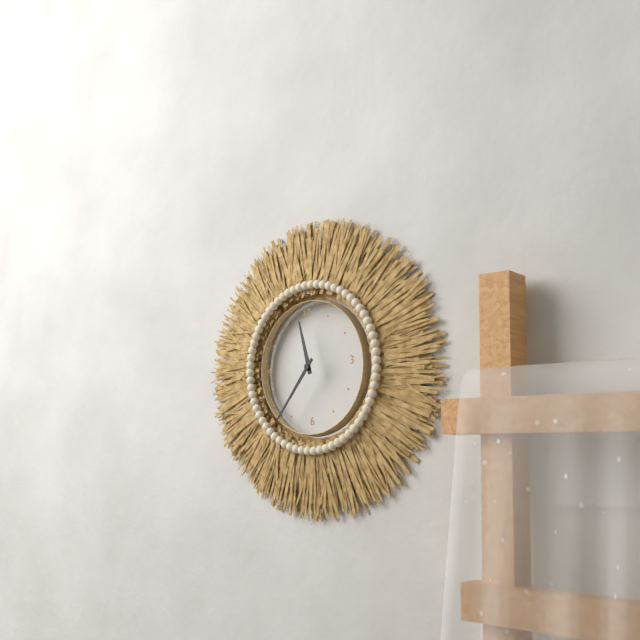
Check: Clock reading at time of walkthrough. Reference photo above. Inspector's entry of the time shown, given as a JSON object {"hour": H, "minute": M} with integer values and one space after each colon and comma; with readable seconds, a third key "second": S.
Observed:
{"hour": 11, "minute": 37}
